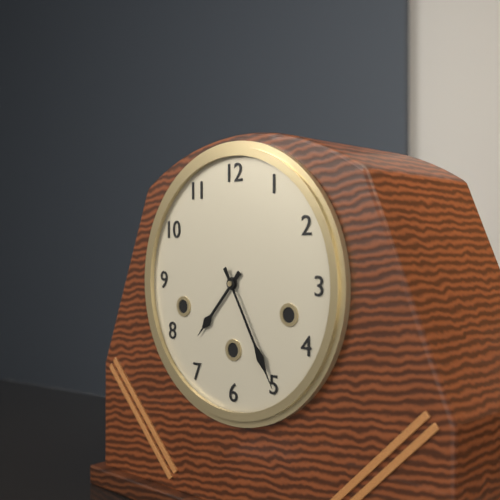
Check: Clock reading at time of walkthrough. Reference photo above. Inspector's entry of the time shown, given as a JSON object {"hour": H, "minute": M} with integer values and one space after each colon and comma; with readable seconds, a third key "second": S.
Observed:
{"hour": 7, "minute": 25}
